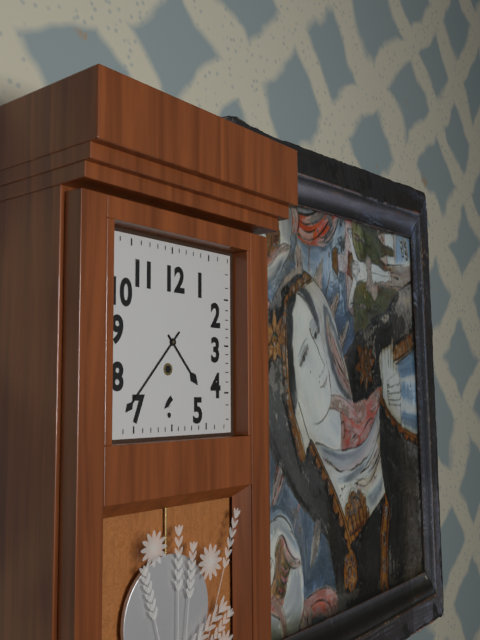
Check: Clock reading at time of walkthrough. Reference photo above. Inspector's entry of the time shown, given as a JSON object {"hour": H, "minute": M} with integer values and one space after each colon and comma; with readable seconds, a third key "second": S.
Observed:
{"hour": 4, "minute": 37}
